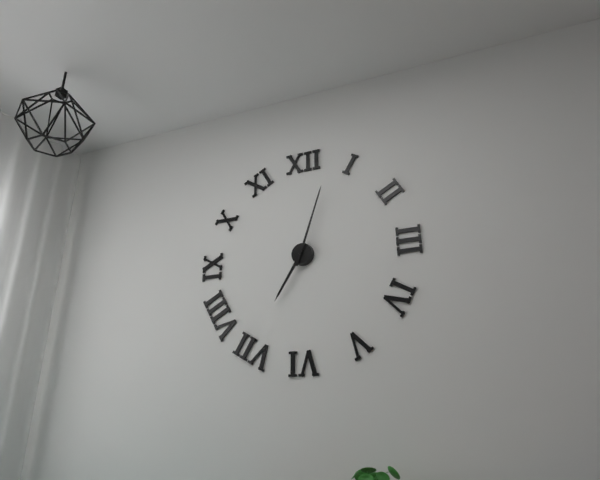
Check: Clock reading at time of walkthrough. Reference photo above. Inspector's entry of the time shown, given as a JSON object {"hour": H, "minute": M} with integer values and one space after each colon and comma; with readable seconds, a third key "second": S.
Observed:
{"hour": 7, "minute": 3}
